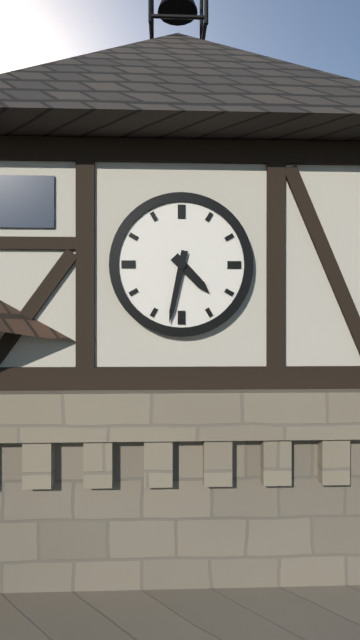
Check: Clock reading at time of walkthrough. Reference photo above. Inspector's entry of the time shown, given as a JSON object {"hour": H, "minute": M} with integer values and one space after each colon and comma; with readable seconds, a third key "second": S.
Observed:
{"hour": 4, "minute": 32}
